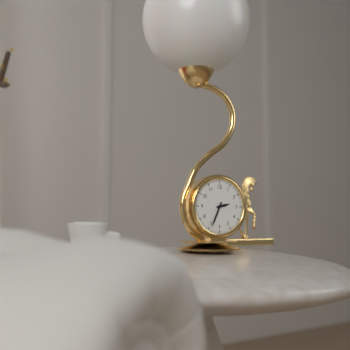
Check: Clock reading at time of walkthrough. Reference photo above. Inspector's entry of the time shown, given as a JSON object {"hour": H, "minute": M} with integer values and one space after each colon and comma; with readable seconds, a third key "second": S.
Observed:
{"hour": 2, "minute": 34}
